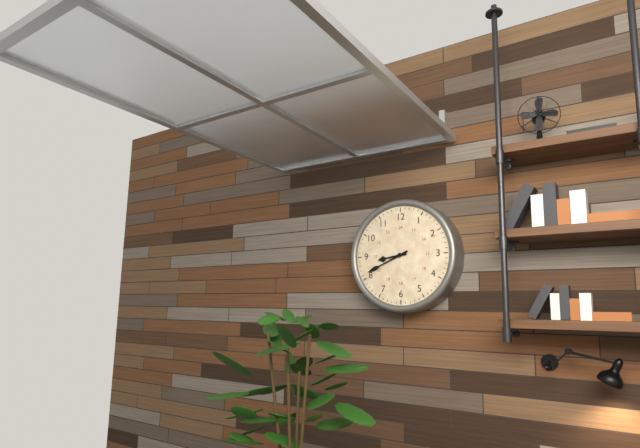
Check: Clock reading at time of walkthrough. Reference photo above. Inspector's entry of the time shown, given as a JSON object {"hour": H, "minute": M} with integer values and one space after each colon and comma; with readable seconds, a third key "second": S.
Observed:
{"hour": 8, "minute": 41}
